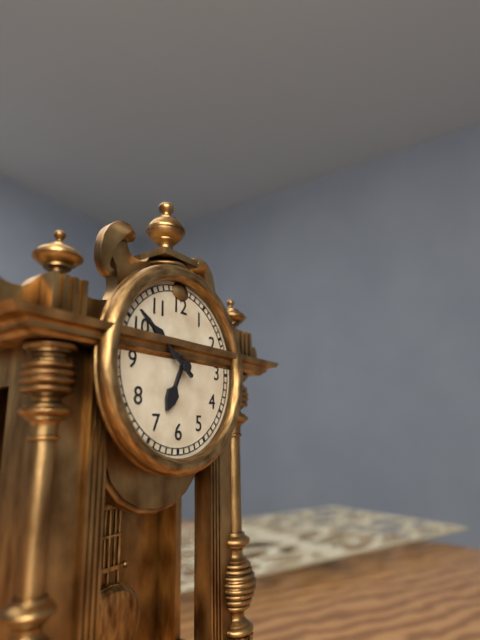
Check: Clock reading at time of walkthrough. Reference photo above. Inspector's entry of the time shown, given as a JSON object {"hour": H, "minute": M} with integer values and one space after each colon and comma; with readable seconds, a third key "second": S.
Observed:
{"hour": 6, "minute": 51}
